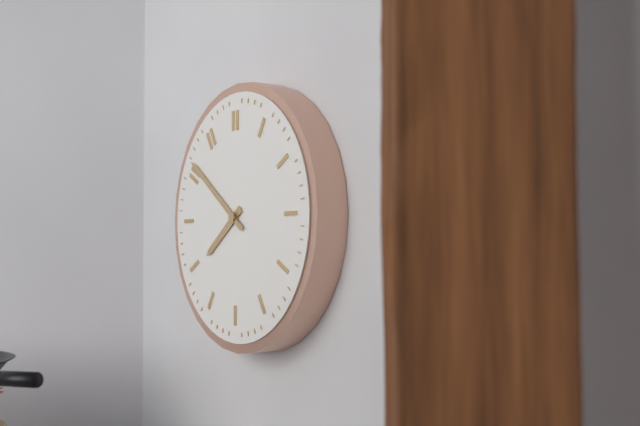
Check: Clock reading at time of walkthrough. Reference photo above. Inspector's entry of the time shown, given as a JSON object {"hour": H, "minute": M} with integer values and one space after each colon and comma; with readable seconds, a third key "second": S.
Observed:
{"hour": 7, "minute": 51}
